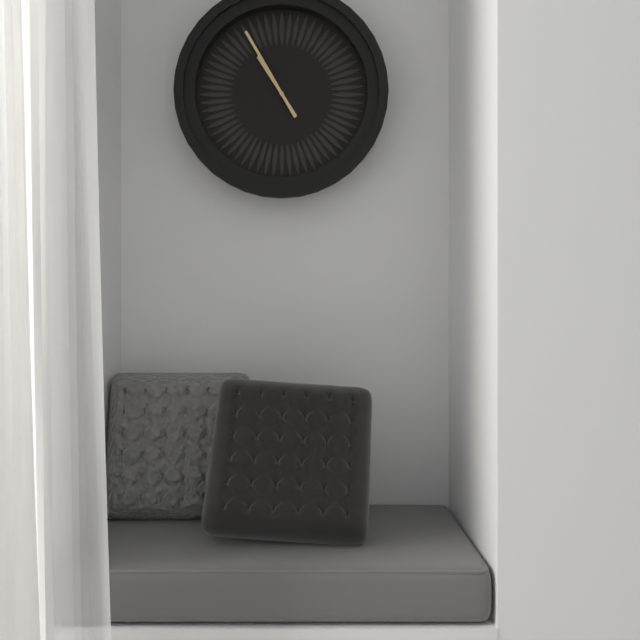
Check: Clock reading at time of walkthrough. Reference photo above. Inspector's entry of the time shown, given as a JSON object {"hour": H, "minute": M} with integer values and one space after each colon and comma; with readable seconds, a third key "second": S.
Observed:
{"hour": 10, "minute": 55}
